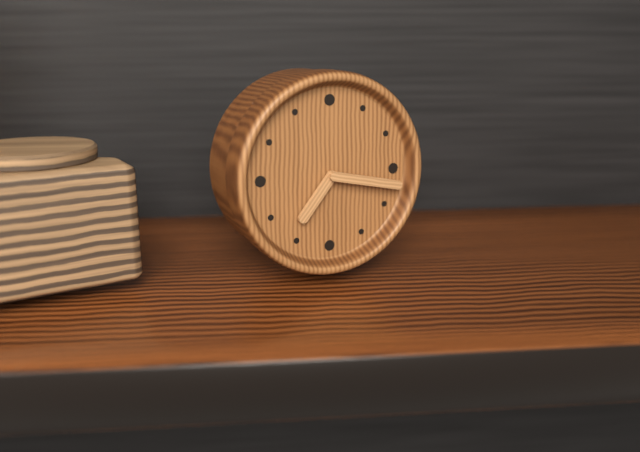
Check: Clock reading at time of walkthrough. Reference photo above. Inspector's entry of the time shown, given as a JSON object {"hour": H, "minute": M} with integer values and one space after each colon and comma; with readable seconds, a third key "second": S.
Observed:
{"hour": 7, "minute": 17}
